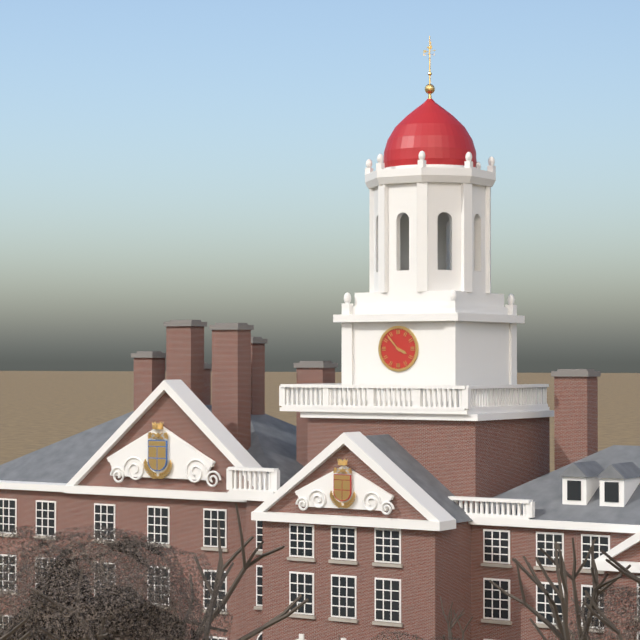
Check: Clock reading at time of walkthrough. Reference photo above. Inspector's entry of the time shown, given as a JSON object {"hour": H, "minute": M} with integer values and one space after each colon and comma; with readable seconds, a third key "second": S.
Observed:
{"hour": 3, "minute": 53}
